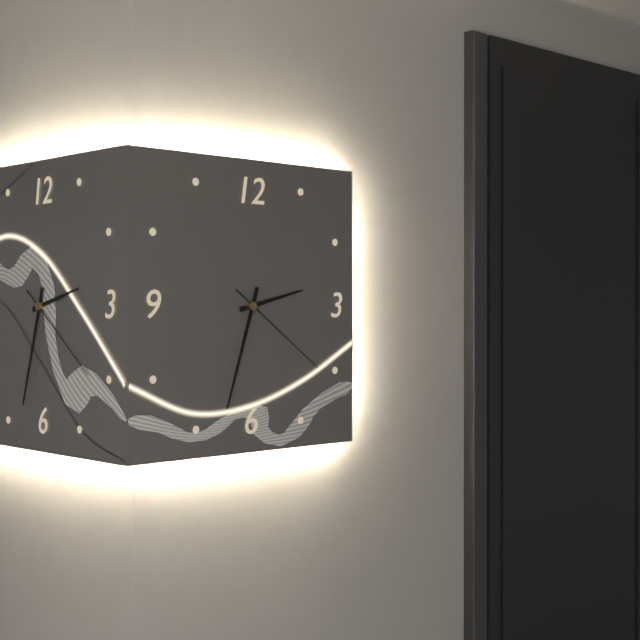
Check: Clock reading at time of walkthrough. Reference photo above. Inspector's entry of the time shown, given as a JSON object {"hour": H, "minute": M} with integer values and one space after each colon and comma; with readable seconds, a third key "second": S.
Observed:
{"hour": 2, "minute": 33, "second": 21}
